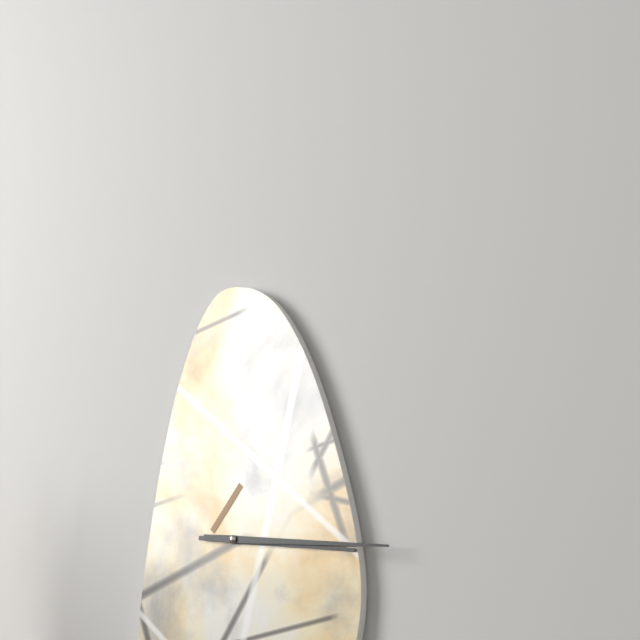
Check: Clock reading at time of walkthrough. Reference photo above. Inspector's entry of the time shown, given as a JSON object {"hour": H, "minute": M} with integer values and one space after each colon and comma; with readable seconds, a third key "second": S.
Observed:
{"hour": 3, "minute": 16}
